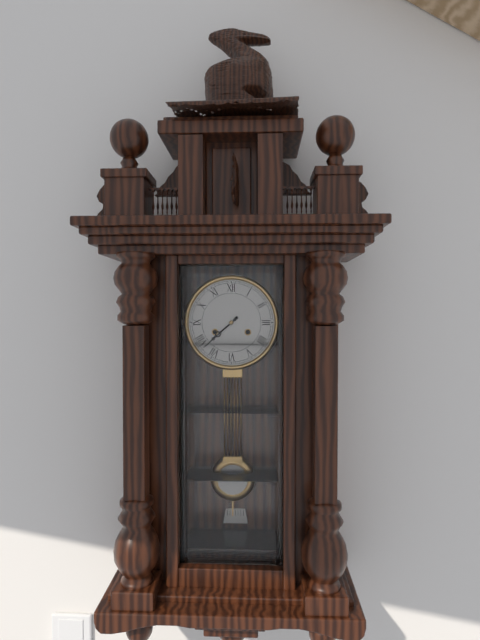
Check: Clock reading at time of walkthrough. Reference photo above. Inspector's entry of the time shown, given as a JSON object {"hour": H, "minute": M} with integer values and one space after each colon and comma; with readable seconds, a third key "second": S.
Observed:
{"hour": 7, "minute": 38}
